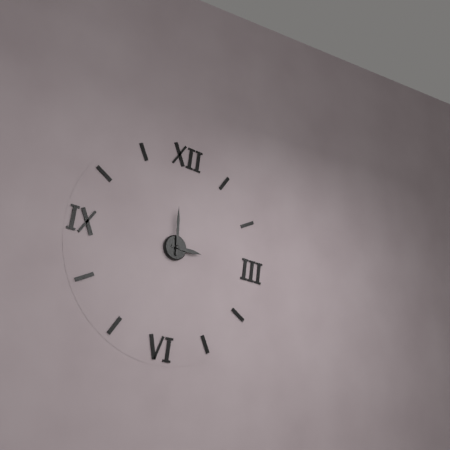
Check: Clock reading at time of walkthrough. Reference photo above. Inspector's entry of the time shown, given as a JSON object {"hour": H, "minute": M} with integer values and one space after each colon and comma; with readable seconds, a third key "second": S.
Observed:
{"hour": 2, "minute": 59}
